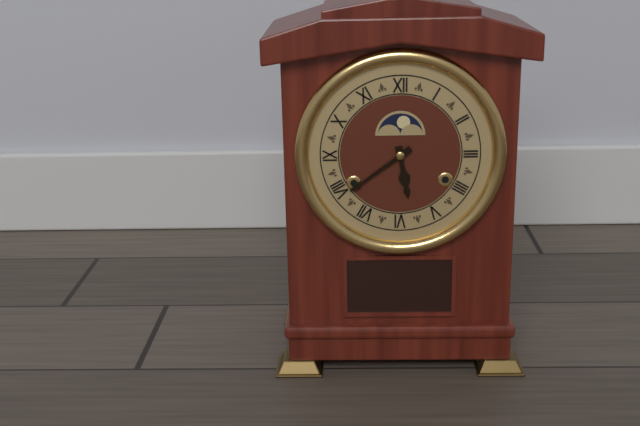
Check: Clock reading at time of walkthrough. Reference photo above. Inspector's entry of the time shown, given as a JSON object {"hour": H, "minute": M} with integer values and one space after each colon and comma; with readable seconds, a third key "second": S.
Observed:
{"hour": 5, "minute": 39}
